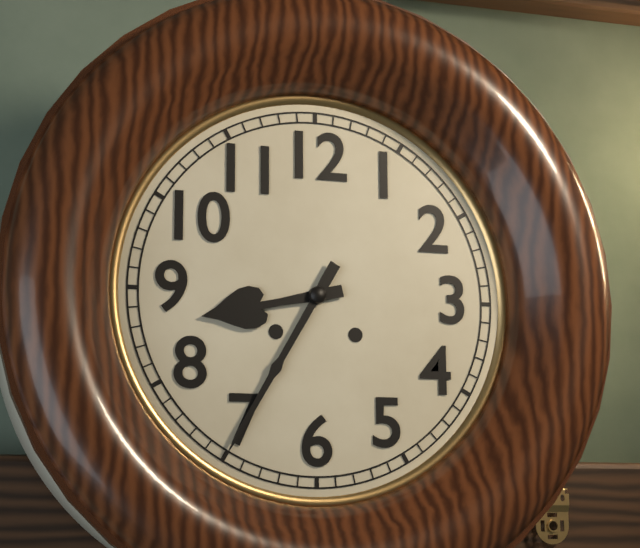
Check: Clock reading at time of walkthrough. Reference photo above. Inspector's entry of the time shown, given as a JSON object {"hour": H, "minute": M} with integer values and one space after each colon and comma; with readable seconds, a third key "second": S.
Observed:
{"hour": 8, "minute": 35}
